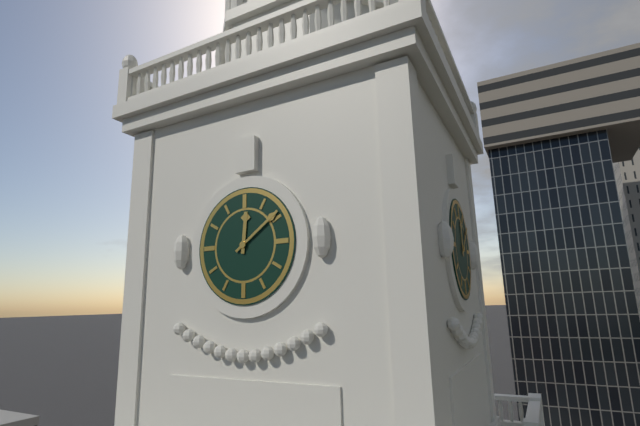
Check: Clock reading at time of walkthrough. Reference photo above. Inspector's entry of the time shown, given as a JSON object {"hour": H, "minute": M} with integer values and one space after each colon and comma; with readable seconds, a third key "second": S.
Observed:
{"hour": 12, "minute": 9}
